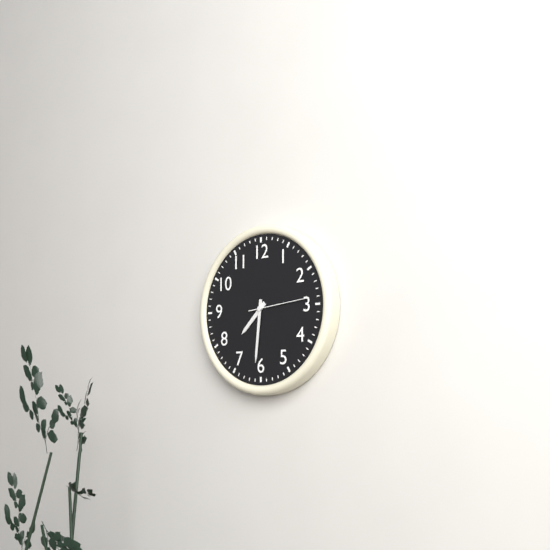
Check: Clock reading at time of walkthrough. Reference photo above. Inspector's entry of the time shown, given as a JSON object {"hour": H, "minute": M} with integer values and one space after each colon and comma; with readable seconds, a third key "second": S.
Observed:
{"hour": 7, "minute": 31, "second": 14}
